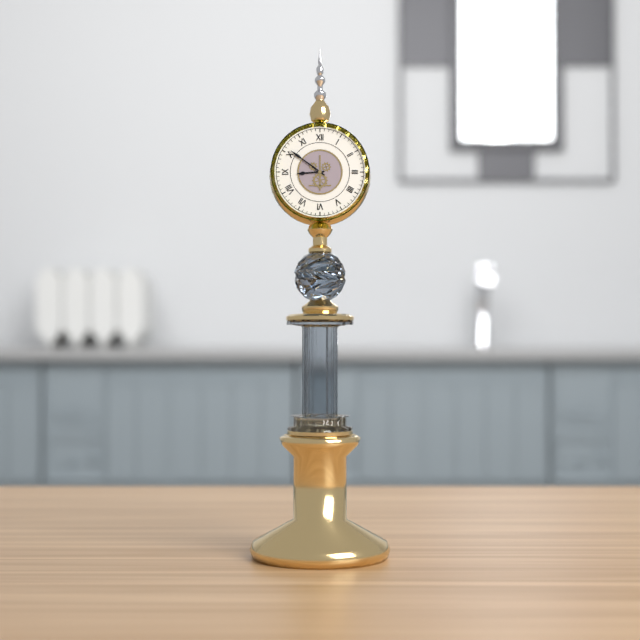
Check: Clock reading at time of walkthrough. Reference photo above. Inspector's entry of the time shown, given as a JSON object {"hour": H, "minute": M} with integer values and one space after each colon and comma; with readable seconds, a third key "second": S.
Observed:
{"hour": 8, "minute": 51}
